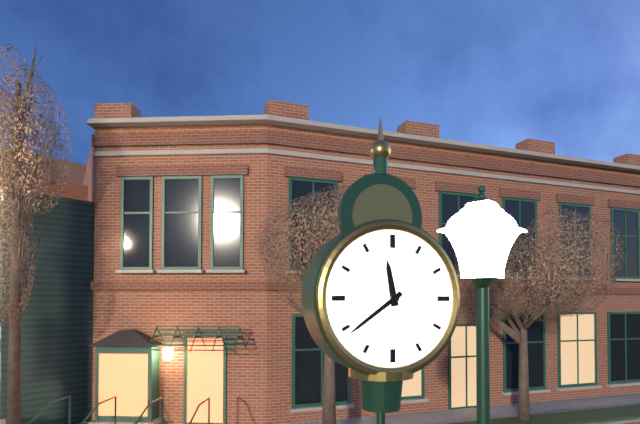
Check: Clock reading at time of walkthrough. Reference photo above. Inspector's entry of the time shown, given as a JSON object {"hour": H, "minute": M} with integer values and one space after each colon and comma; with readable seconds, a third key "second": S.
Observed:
{"hour": 11, "minute": 39}
